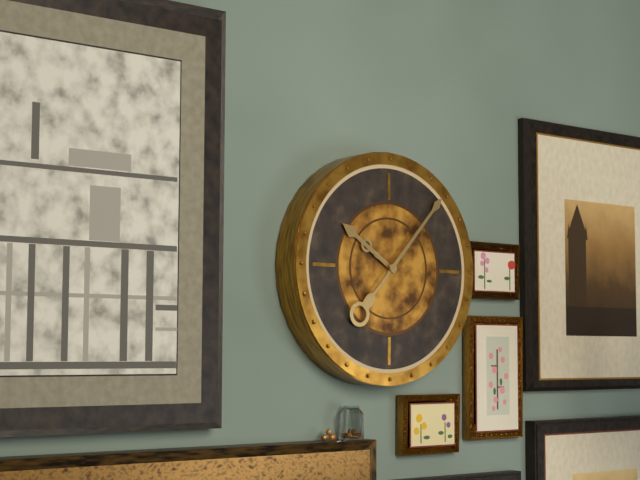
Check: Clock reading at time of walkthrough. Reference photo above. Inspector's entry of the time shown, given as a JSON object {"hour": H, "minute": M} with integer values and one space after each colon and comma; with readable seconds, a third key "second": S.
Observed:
{"hour": 10, "minute": 7}
